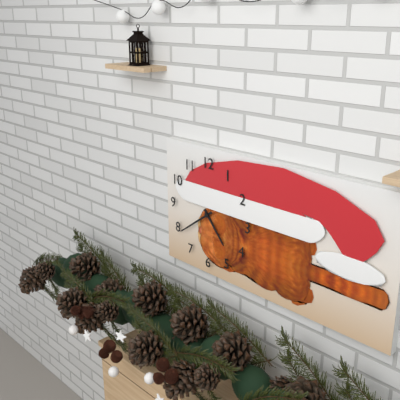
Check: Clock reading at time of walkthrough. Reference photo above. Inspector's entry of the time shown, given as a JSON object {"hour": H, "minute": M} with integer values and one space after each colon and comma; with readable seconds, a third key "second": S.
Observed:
{"hour": 4, "minute": 39}
